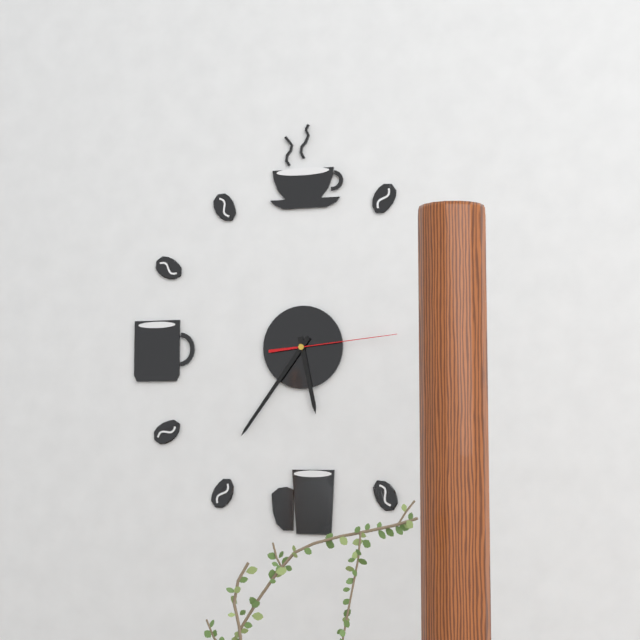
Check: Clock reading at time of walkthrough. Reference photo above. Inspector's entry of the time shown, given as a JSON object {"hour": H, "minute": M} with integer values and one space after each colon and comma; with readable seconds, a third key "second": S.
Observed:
{"hour": 5, "minute": 36, "second": 14}
